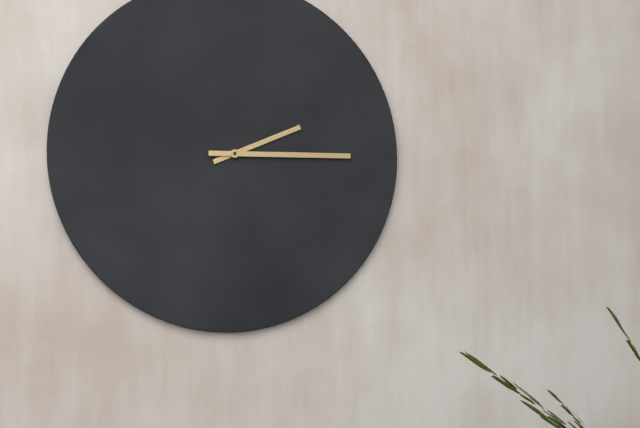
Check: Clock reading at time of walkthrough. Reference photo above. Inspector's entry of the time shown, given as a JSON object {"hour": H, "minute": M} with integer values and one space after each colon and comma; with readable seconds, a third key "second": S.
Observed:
{"hour": 2, "minute": 15}
